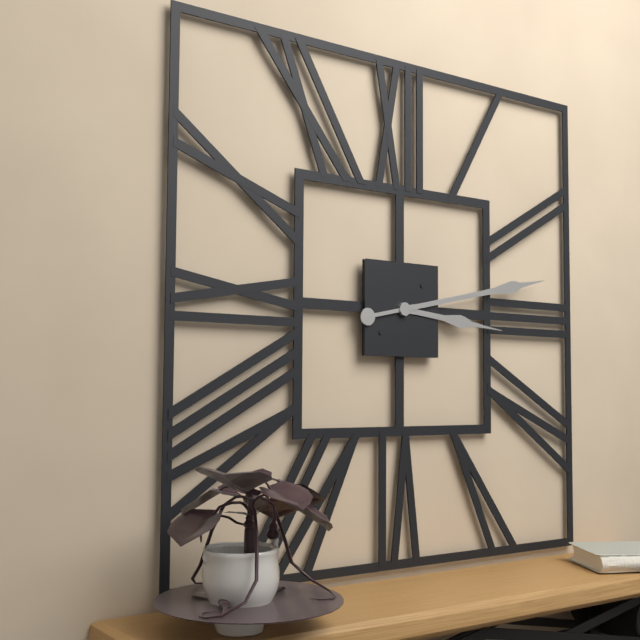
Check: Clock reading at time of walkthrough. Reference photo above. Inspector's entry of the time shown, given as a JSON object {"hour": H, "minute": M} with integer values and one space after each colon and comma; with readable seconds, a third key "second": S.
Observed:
{"hour": 3, "minute": 13}
